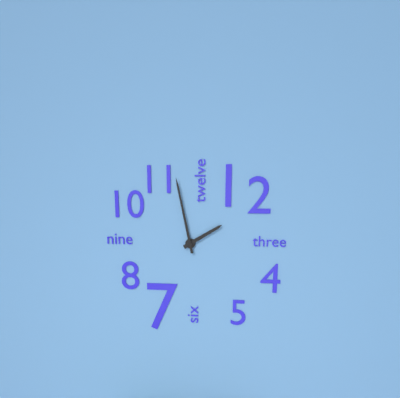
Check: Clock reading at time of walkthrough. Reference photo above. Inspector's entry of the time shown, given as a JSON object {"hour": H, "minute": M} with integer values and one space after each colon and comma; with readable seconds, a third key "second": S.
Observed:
{"hour": 1, "minute": 58}
